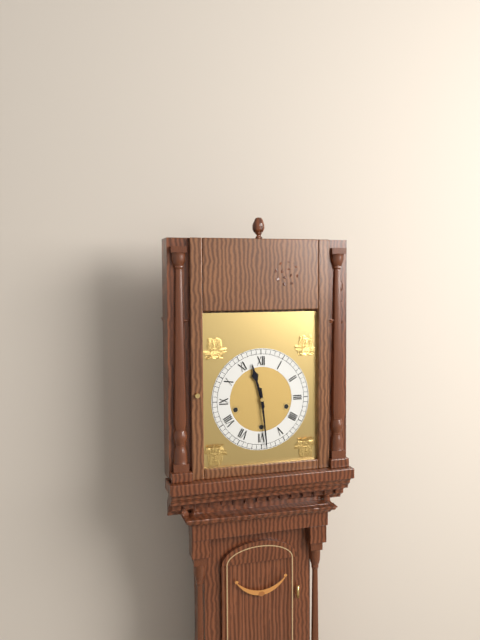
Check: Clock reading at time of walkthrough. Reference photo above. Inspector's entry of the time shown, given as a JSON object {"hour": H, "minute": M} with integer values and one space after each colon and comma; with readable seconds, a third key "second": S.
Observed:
{"hour": 11, "minute": 29}
